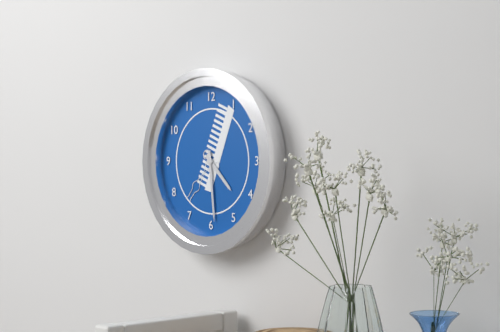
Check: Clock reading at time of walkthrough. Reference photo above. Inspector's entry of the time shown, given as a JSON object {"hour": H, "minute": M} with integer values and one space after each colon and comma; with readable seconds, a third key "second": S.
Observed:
{"hour": 4, "minute": 29}
